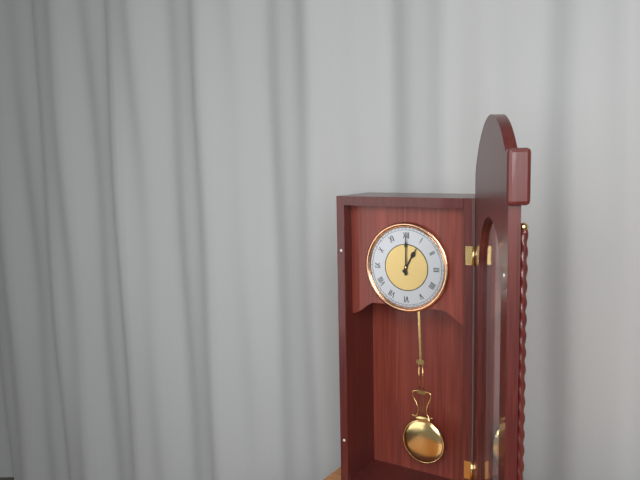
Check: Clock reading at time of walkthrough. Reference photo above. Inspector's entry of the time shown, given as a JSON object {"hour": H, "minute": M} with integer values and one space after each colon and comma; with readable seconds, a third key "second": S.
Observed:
{"hour": 1, "minute": 0}
